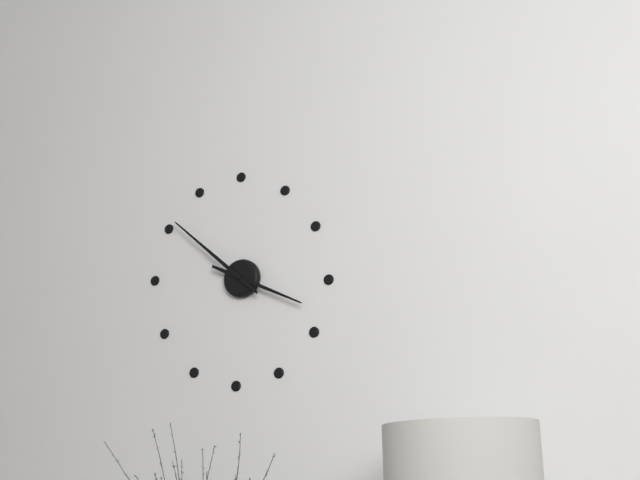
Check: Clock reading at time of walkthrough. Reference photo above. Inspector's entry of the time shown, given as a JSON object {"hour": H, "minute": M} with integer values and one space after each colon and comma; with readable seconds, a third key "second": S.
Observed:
{"hour": 3, "minute": 52}
